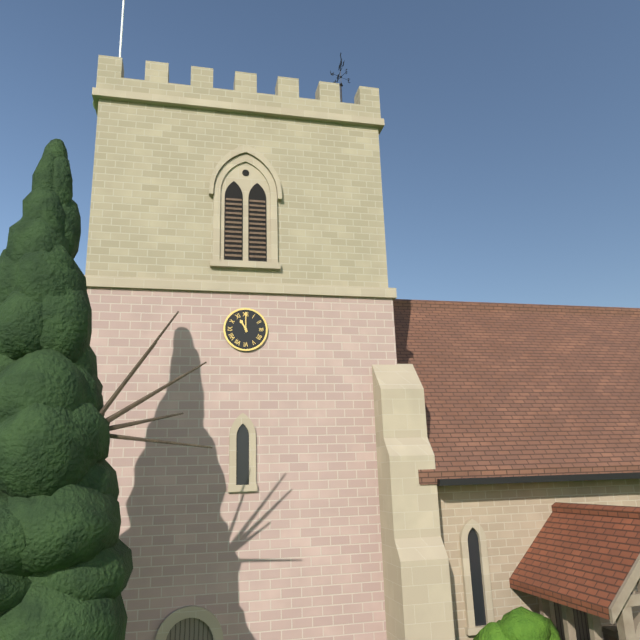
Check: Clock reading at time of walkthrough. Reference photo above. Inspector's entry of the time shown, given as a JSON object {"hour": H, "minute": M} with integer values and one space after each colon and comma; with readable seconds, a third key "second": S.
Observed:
{"hour": 11, "minute": 0}
